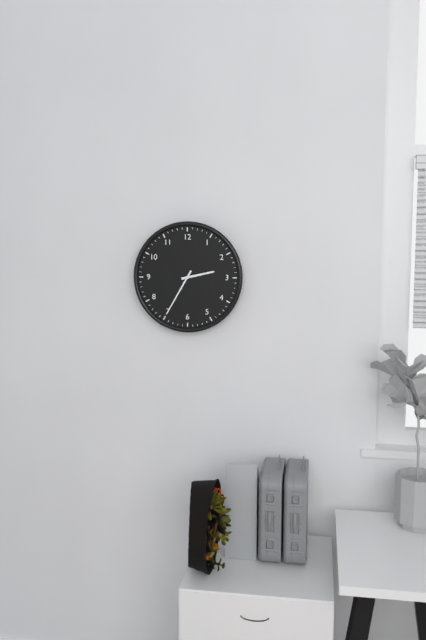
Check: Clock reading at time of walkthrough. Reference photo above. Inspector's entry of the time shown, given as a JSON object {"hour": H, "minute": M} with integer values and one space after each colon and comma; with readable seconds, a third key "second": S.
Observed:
{"hour": 2, "minute": 35}
